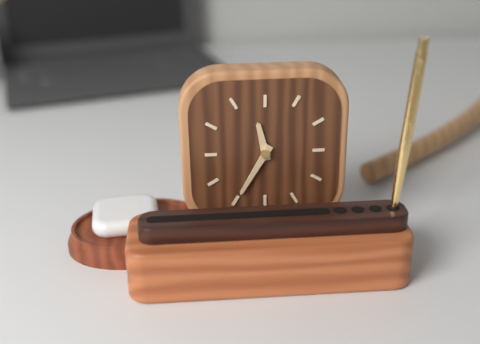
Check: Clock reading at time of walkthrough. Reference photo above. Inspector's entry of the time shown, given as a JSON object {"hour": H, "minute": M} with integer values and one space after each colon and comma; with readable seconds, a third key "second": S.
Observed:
{"hour": 11, "minute": 35}
